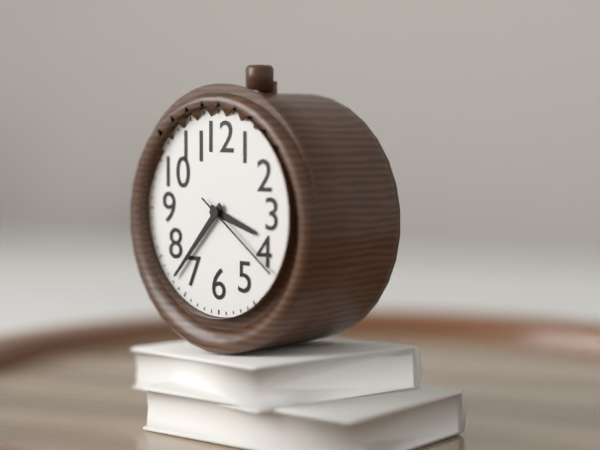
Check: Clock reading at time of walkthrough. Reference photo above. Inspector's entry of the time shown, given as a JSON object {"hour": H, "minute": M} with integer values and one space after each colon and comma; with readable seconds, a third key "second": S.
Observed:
{"hour": 3, "minute": 37, "second": 21}
